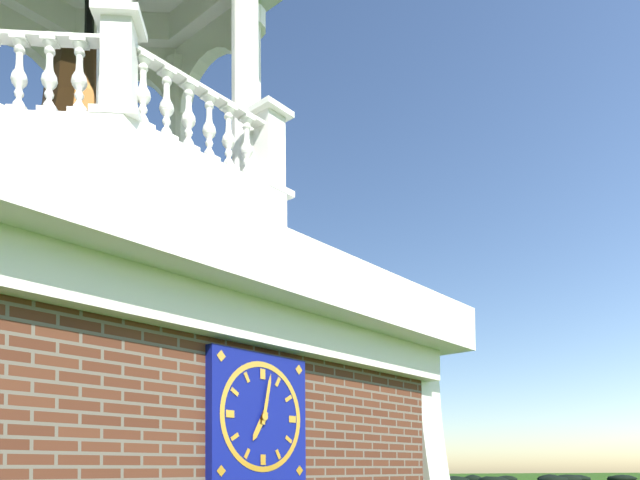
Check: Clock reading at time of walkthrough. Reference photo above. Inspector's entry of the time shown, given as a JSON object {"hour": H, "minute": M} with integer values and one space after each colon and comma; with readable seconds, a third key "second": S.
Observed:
{"hour": 7, "minute": 2}
